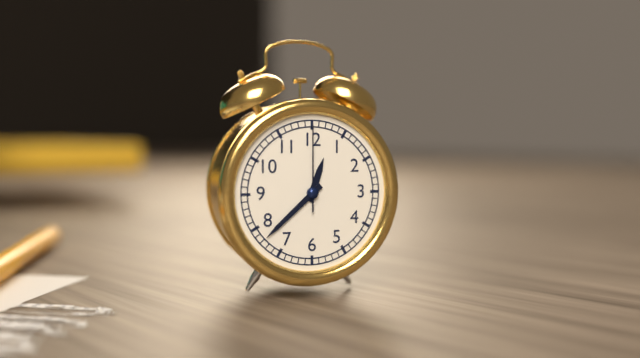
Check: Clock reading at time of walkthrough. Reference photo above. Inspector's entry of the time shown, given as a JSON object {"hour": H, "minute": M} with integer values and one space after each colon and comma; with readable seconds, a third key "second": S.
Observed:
{"hour": 12, "minute": 38, "second": 0}
